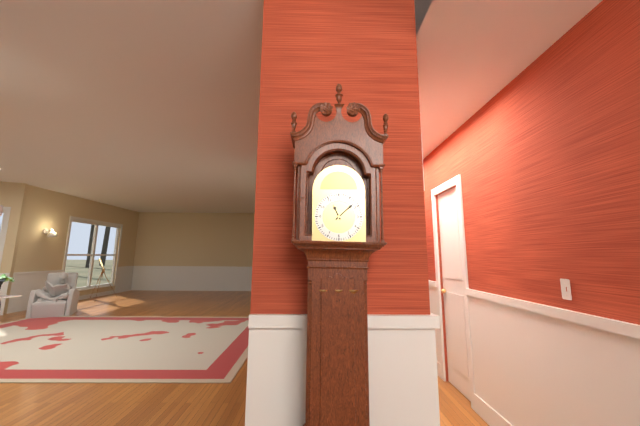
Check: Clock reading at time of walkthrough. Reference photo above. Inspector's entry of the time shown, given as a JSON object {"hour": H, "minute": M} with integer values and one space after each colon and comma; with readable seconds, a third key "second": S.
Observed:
{"hour": 11, "minute": 8}
